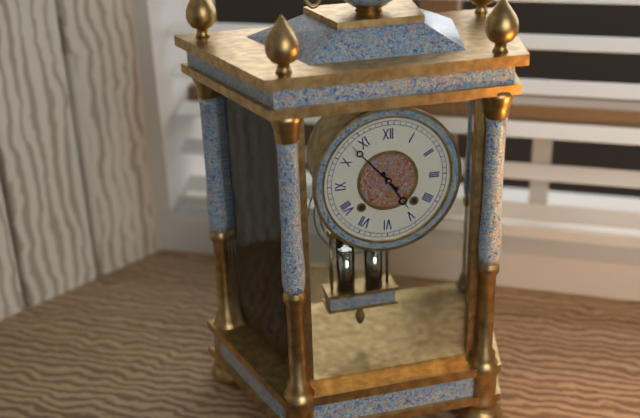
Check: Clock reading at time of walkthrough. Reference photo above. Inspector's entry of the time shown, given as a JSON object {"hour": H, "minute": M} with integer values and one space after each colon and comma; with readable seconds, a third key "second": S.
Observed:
{"hour": 4, "minute": 53}
